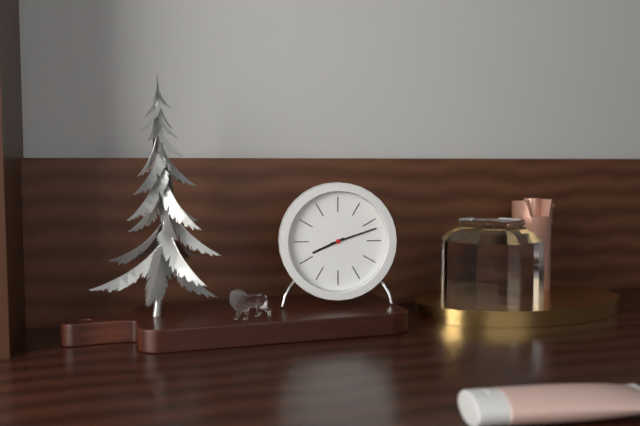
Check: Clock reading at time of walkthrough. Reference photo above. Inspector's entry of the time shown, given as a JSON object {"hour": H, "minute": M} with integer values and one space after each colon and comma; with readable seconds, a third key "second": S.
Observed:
{"hour": 8, "minute": 12}
